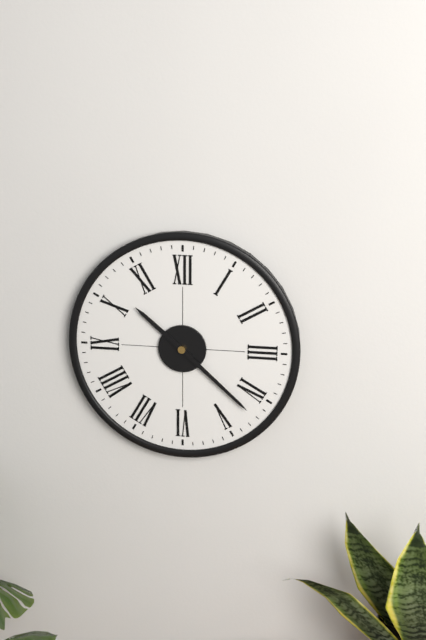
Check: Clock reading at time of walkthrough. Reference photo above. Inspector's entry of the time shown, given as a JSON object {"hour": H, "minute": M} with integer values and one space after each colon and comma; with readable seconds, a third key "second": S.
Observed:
{"hour": 10, "minute": 22}
